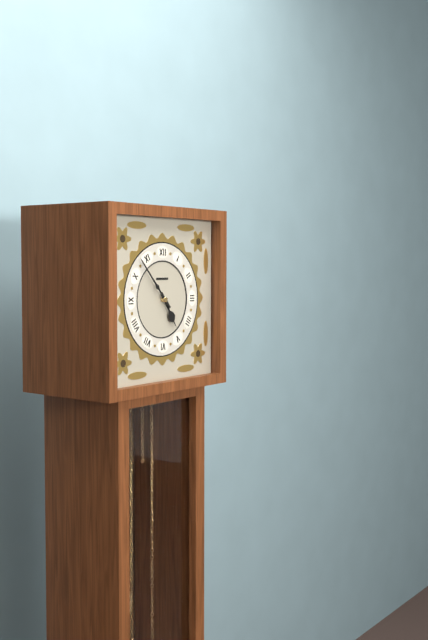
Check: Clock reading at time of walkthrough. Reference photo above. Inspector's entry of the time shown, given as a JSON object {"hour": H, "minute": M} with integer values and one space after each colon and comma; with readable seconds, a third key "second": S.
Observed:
{"hour": 4, "minute": 53}
